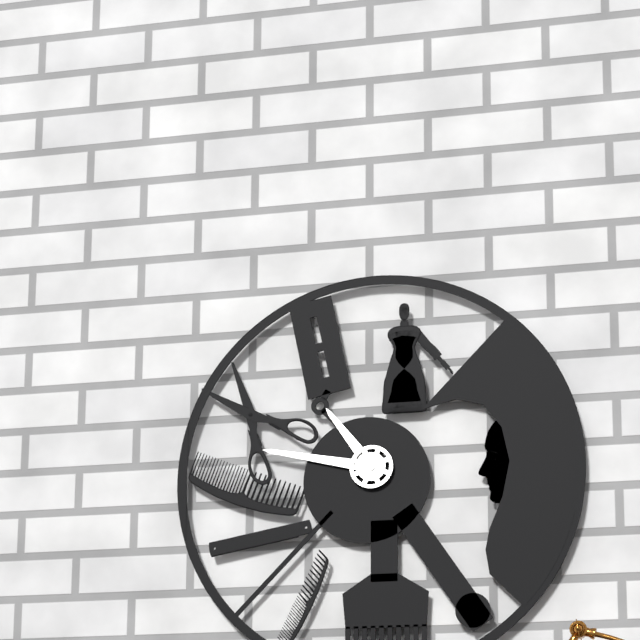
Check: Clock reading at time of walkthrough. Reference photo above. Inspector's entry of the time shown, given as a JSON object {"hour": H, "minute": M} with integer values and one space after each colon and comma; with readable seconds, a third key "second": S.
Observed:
{"hour": 10, "minute": 47}
